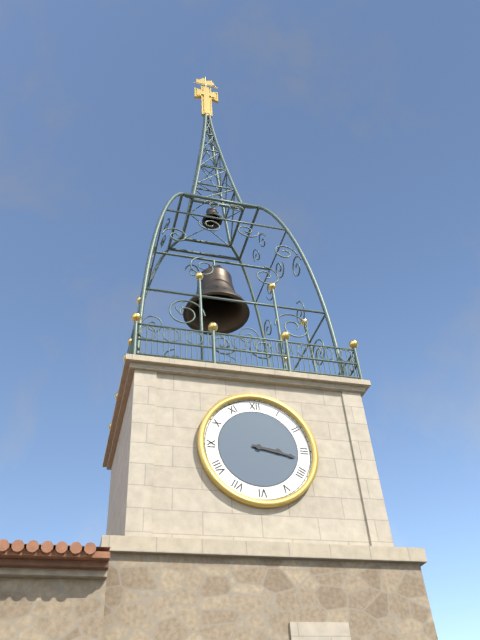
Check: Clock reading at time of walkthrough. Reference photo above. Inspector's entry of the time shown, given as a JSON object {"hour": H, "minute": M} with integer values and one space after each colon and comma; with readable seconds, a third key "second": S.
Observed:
{"hour": 3, "minute": 17}
